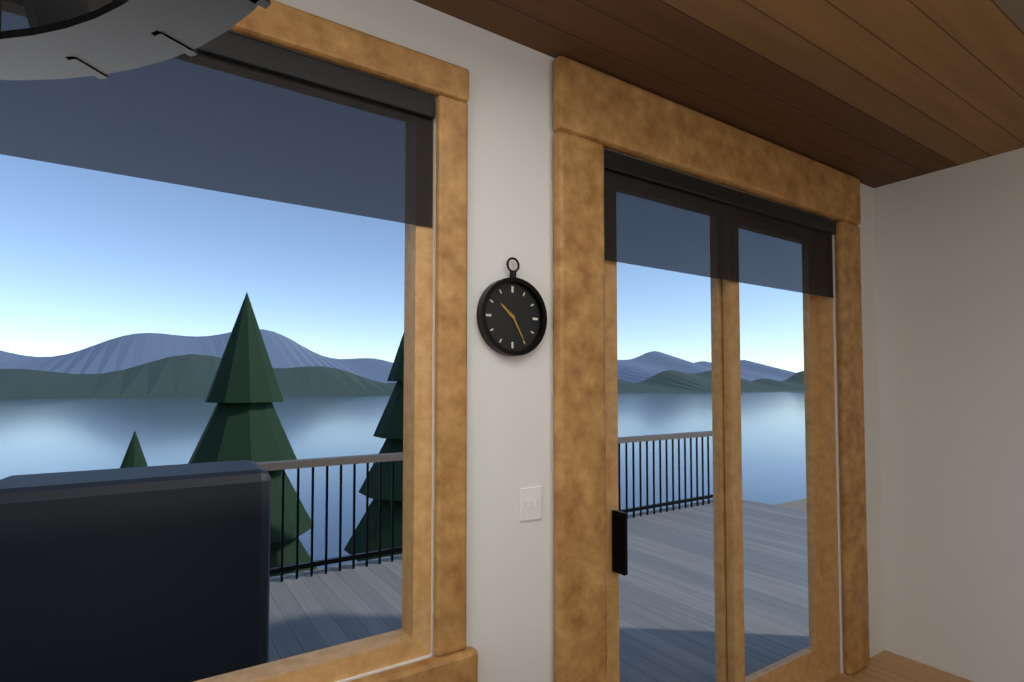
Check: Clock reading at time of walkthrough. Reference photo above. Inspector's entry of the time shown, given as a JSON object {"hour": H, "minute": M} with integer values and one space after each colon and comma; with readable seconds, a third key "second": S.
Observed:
{"hour": 10, "minute": 25}
